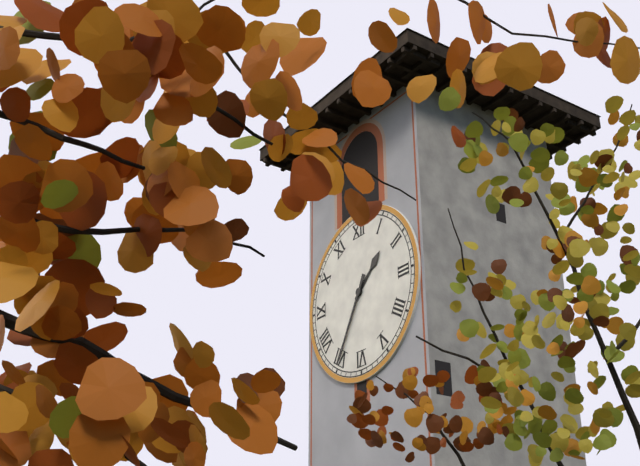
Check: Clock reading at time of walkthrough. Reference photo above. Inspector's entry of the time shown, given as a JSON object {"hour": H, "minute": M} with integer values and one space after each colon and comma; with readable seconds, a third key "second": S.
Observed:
{"hour": 1, "minute": 35}
